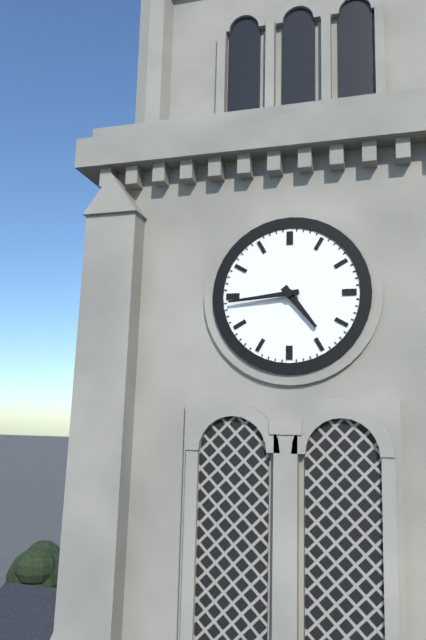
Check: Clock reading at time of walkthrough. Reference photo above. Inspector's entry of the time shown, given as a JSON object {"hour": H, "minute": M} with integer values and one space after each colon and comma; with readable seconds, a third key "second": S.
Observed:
{"hour": 4, "minute": 44}
